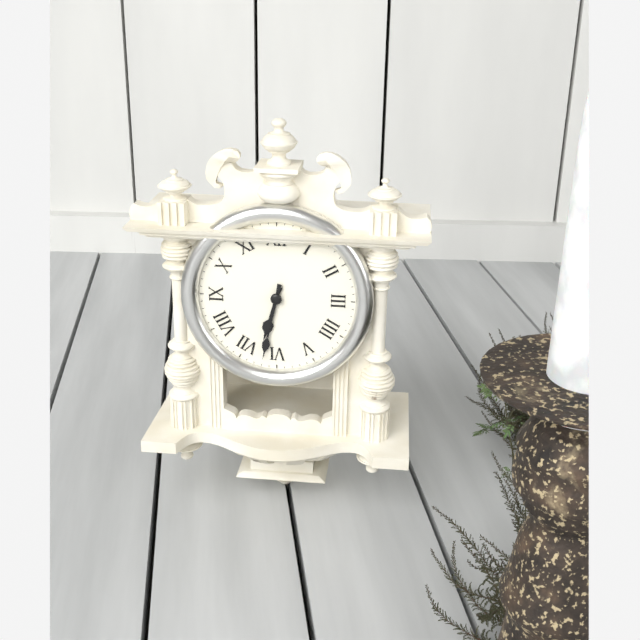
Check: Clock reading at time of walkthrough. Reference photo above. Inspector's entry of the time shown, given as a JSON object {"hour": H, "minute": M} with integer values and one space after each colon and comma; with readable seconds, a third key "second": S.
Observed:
{"hour": 6, "minute": 32}
